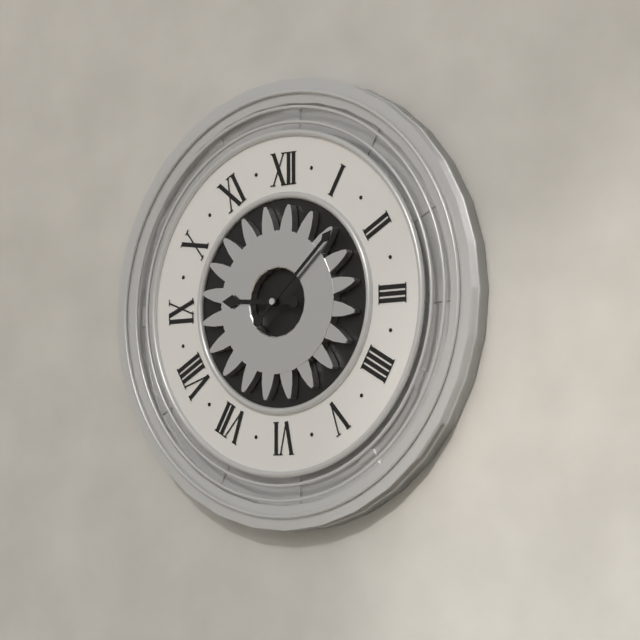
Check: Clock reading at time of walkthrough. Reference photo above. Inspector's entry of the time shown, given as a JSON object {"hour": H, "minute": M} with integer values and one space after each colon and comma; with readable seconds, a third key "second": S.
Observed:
{"hour": 9, "minute": 8}
